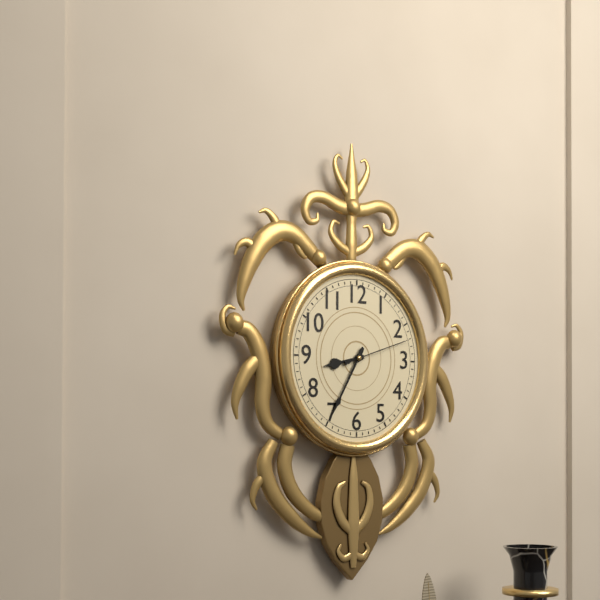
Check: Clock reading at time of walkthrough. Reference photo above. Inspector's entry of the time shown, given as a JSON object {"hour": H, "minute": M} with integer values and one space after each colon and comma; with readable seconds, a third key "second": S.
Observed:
{"hour": 8, "minute": 35, "second": 12}
